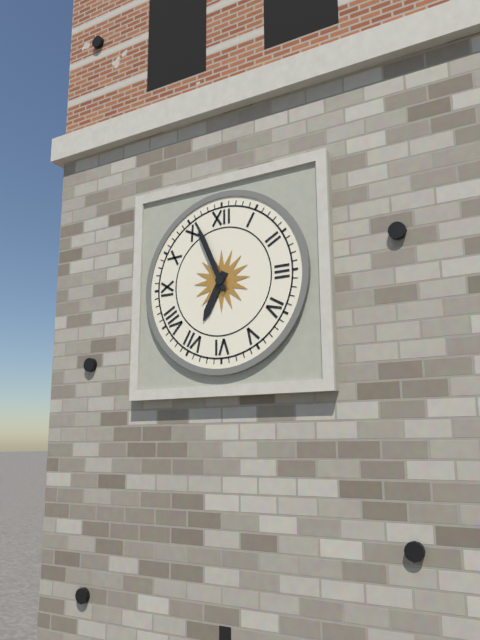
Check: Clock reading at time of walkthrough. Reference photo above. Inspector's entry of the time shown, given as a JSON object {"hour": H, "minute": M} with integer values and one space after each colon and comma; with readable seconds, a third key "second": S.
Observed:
{"hour": 6, "minute": 56}
